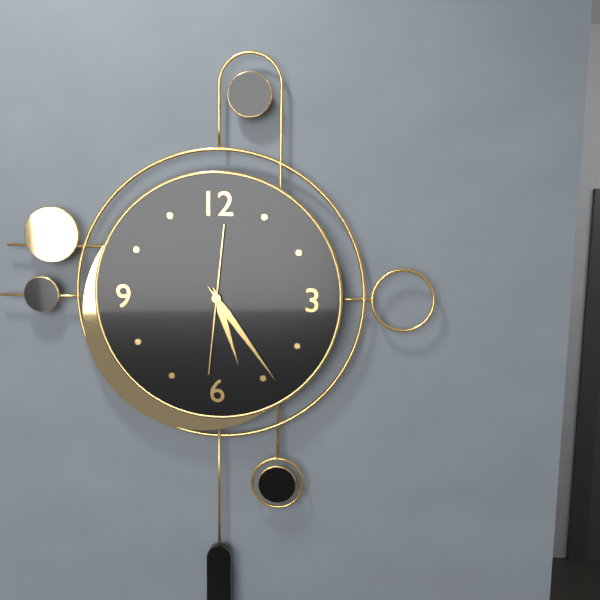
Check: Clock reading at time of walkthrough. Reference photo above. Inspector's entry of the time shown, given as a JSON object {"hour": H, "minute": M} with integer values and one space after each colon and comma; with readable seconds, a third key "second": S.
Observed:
{"hour": 5, "minute": 24, "second": 31}
